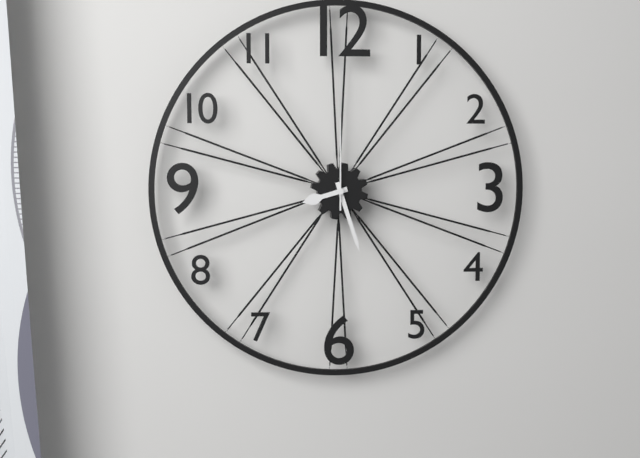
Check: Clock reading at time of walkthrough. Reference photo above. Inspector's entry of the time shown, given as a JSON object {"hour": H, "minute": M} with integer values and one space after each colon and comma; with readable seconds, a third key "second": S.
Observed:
{"hour": 8, "minute": 27, "second": 0}
